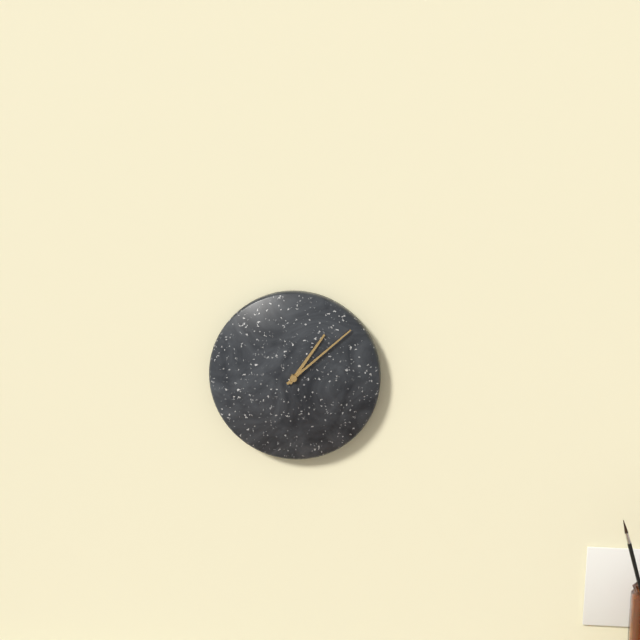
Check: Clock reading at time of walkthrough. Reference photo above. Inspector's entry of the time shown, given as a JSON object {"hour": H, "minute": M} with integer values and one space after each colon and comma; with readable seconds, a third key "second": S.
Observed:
{"hour": 1, "minute": 8}
